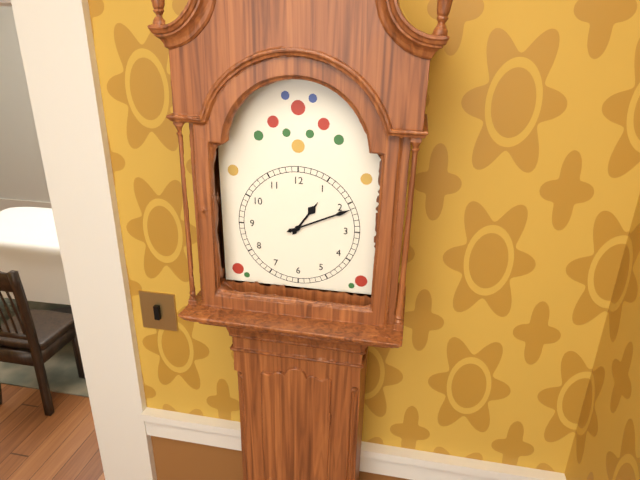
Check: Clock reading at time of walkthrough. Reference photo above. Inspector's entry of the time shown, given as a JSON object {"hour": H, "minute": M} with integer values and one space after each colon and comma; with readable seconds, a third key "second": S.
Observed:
{"hour": 1, "minute": 11}
